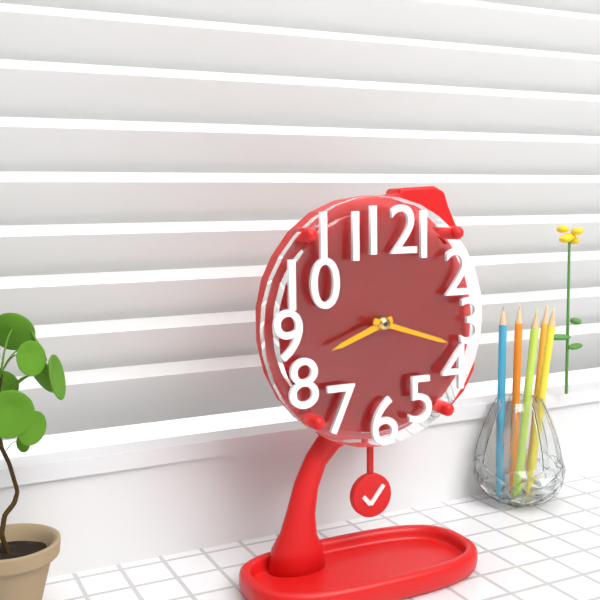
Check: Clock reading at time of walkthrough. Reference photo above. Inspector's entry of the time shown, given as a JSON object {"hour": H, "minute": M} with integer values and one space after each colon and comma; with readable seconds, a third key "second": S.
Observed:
{"hour": 8, "minute": 18}
